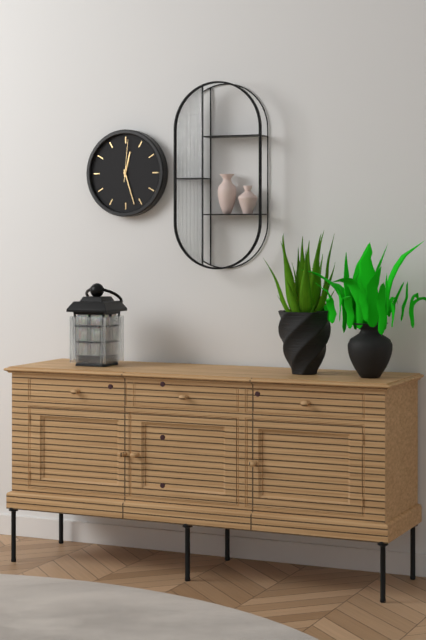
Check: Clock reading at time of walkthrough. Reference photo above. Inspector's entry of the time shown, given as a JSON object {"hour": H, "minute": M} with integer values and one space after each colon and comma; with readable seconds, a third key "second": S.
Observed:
{"hour": 12, "minute": 27}
